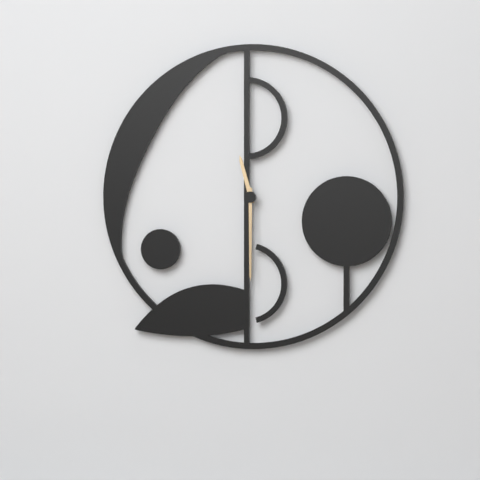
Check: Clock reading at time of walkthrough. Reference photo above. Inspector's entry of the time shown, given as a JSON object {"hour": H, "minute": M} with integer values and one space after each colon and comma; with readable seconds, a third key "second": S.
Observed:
{"hour": 11, "minute": 30}
